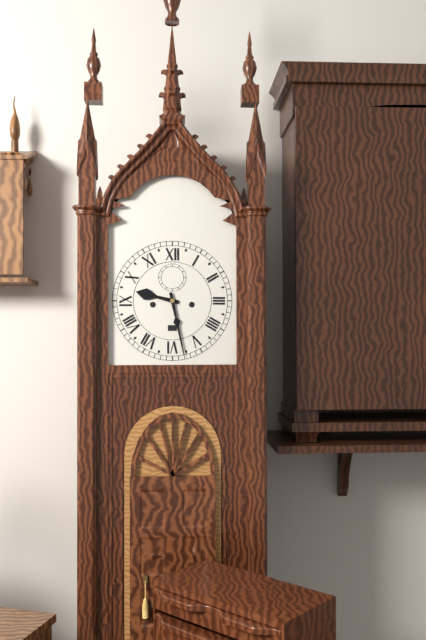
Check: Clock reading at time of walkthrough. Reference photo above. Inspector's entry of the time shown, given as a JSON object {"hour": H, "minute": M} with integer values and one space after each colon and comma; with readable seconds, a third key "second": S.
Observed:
{"hour": 9, "minute": 28}
